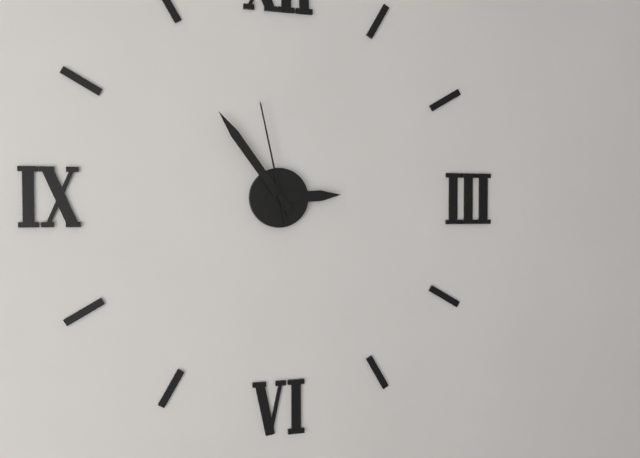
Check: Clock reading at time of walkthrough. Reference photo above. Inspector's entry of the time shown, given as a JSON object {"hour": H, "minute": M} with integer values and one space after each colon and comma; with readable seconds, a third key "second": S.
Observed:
{"hour": 2, "minute": 54, "second": 58}
